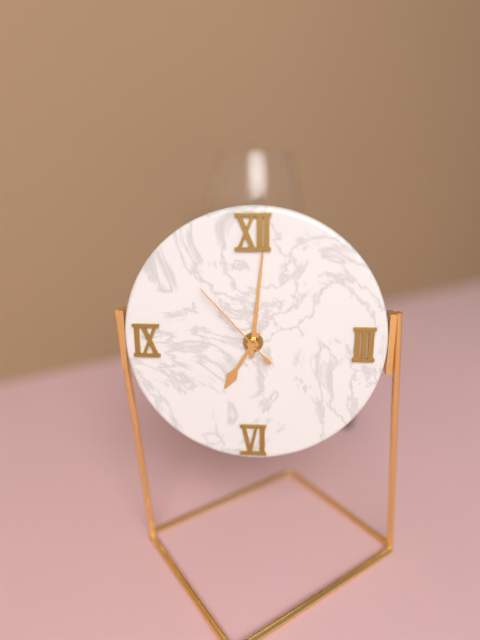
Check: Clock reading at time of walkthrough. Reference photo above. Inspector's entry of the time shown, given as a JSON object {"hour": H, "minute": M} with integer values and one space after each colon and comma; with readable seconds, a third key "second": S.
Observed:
{"hour": 7, "minute": 1, "second": 53}
